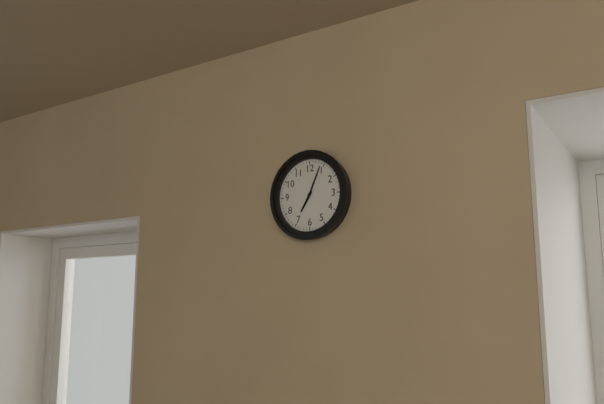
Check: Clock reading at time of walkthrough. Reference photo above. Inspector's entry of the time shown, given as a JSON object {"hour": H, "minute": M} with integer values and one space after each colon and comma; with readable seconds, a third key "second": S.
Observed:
{"hour": 7, "minute": 4}
